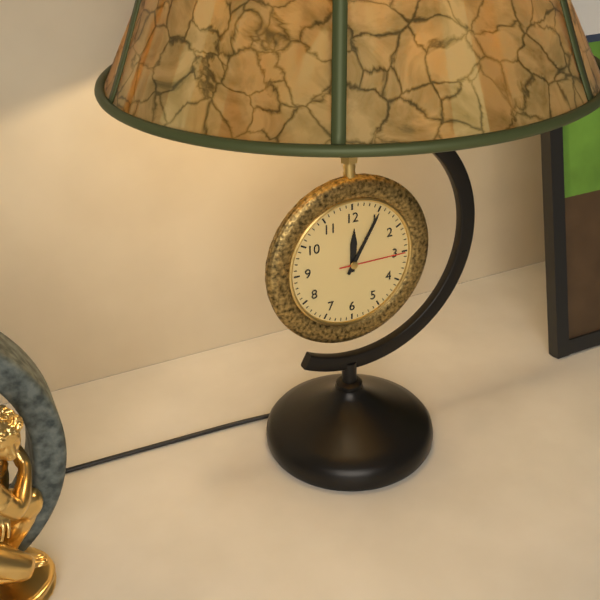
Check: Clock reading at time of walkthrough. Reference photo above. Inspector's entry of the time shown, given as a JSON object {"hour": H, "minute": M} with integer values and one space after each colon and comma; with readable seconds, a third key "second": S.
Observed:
{"hour": 12, "minute": 5, "second": 15}
